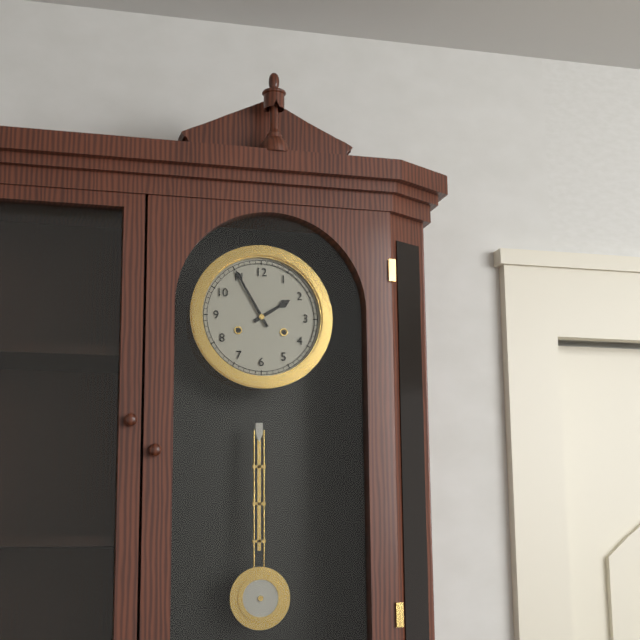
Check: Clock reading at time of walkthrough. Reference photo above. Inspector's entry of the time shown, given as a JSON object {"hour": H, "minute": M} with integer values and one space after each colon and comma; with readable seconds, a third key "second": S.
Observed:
{"hour": 1, "minute": 55}
